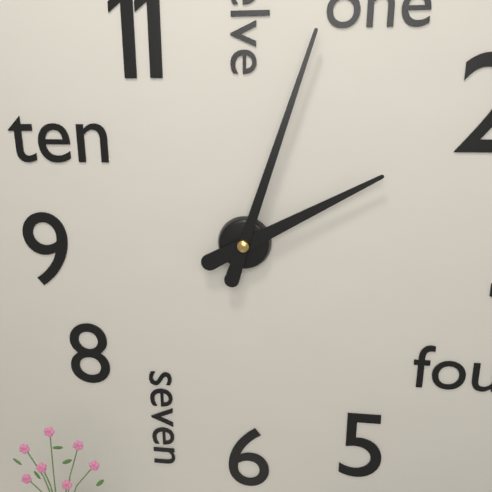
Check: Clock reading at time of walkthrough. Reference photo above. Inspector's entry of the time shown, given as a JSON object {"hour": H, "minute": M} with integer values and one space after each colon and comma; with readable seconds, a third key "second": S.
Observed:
{"hour": 2, "minute": 3}
